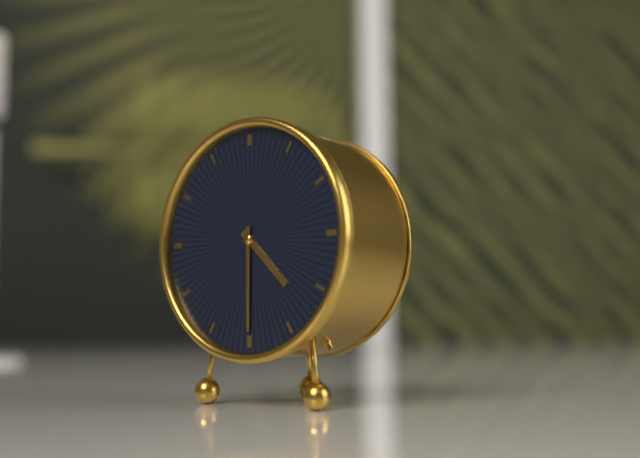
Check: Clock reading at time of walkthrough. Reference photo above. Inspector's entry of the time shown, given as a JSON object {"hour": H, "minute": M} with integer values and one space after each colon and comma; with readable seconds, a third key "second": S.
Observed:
{"hour": 4, "minute": 30}
